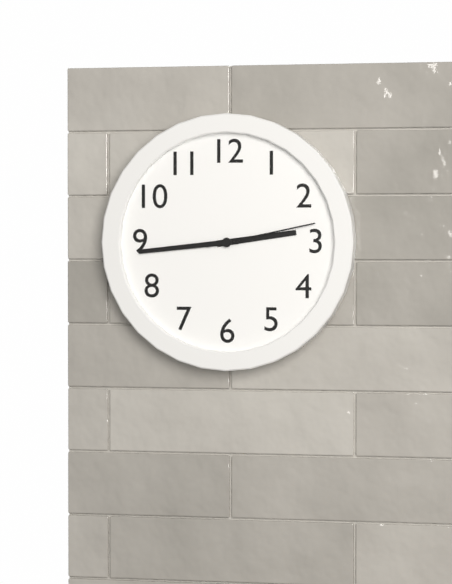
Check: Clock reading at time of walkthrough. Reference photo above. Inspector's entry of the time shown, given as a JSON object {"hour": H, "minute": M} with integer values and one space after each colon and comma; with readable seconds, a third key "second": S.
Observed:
{"hour": 2, "minute": 44, "second": 13}
